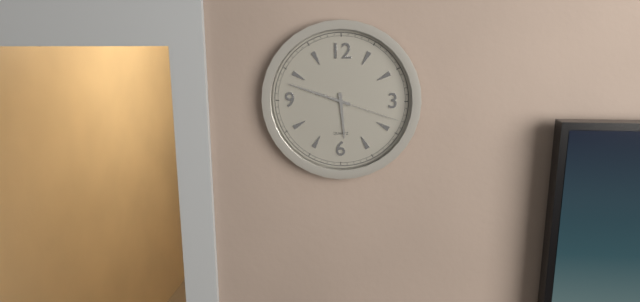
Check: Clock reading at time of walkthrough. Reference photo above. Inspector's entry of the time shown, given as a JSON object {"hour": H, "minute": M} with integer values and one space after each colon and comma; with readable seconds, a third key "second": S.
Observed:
{"hour": 5, "minute": 48, "second": 18}
